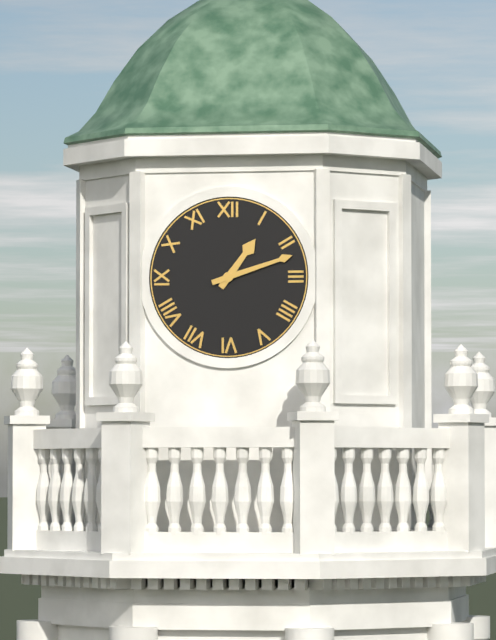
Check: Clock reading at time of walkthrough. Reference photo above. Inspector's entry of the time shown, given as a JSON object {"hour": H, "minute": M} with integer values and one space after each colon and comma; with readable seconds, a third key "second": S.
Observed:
{"hour": 1, "minute": 12}
